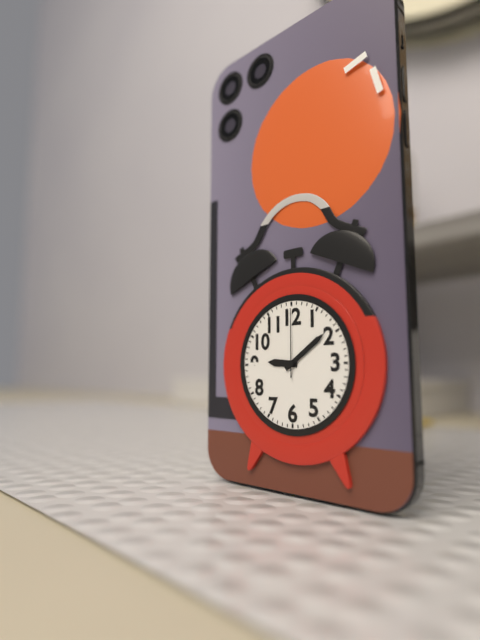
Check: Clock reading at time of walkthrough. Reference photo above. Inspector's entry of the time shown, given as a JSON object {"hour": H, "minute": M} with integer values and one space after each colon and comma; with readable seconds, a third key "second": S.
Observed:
{"hour": 9, "minute": 9, "second": 0}
